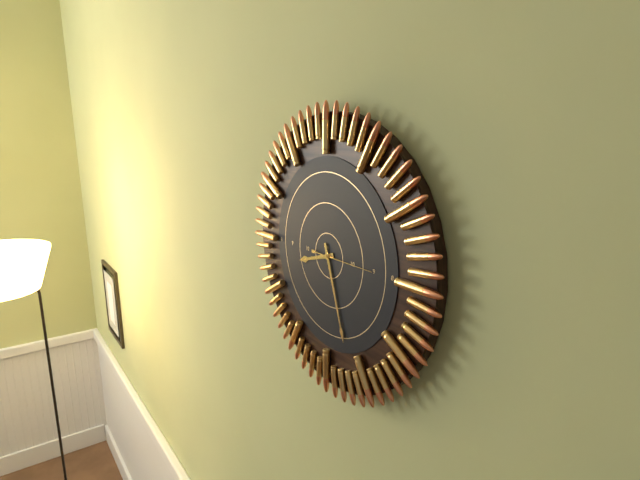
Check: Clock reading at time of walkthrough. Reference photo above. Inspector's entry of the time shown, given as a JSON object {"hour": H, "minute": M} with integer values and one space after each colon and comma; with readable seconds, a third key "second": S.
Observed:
{"hour": 8, "minute": 27, "second": 15}
